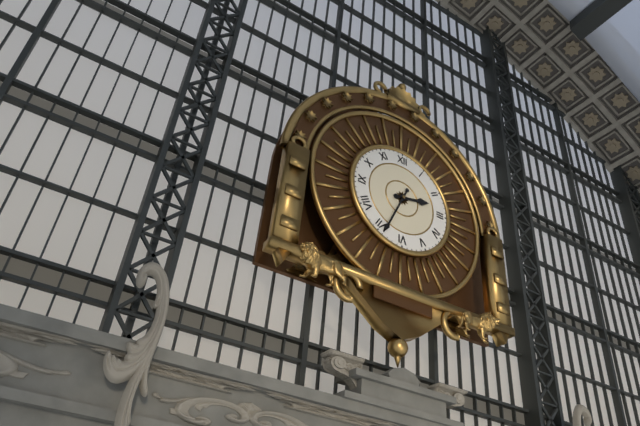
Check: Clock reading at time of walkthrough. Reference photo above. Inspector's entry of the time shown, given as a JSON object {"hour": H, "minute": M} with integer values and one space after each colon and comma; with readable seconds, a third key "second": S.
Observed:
{"hour": 2, "minute": 34}
